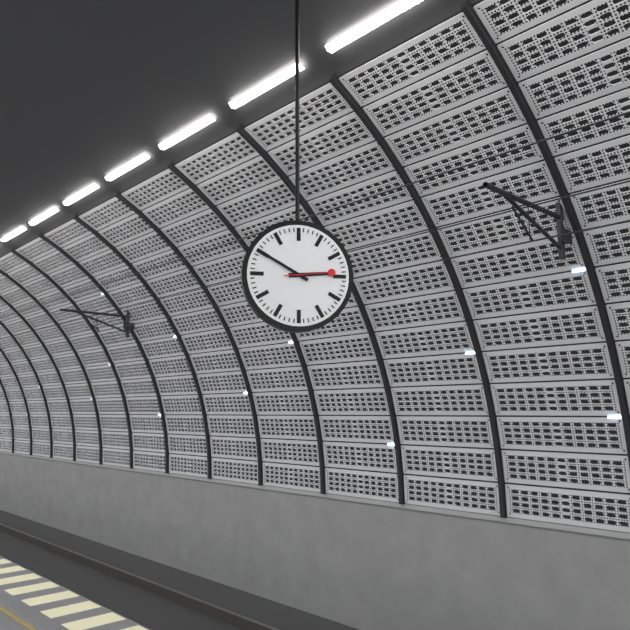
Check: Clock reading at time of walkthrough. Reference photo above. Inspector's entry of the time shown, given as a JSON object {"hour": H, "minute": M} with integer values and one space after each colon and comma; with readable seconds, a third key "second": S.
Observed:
{"hour": 2, "minute": 50}
